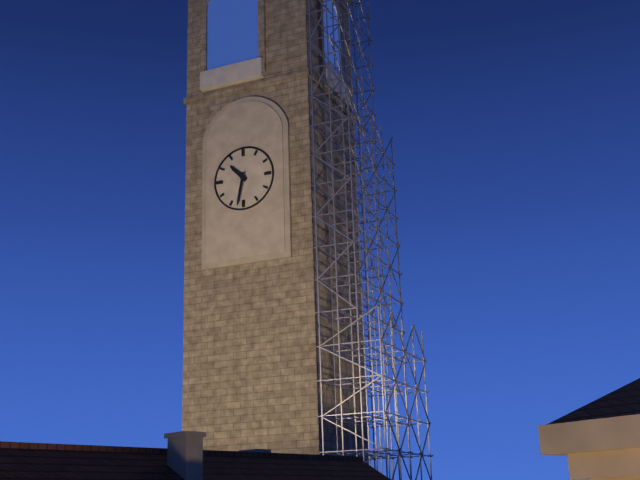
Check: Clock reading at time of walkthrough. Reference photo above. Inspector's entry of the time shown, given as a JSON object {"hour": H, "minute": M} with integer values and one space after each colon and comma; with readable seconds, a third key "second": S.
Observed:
{"hour": 10, "minute": 32}
